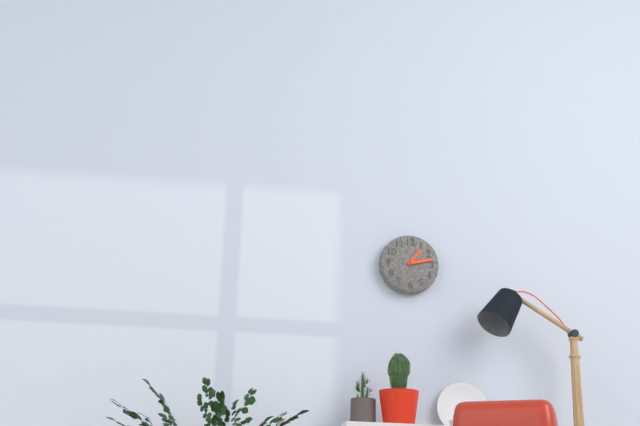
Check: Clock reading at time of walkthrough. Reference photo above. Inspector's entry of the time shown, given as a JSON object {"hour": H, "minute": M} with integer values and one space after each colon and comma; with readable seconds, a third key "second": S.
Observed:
{"hour": 1, "minute": 13}
